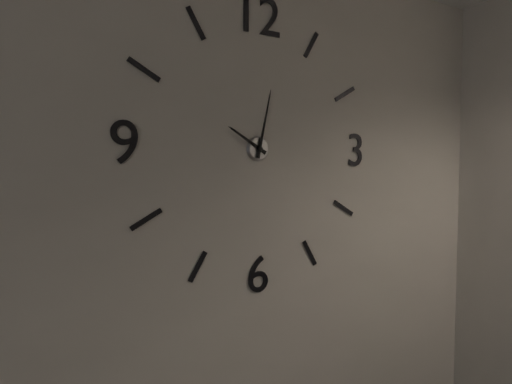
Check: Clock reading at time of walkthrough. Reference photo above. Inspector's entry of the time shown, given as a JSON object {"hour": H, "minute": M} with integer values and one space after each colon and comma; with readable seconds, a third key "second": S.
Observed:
{"hour": 10, "minute": 2}
